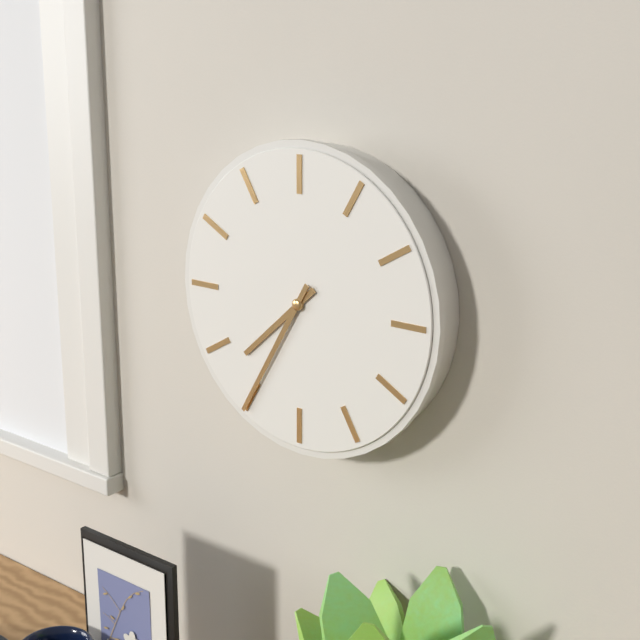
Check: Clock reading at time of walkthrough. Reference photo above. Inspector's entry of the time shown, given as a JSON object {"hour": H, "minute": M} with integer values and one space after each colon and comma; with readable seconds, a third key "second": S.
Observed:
{"hour": 7, "minute": 35}
